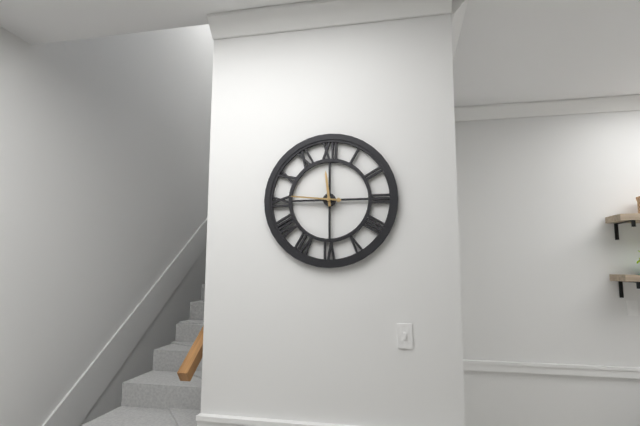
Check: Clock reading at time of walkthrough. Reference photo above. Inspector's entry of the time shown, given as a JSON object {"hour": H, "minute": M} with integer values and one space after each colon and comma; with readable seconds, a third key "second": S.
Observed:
{"hour": 11, "minute": 46}
